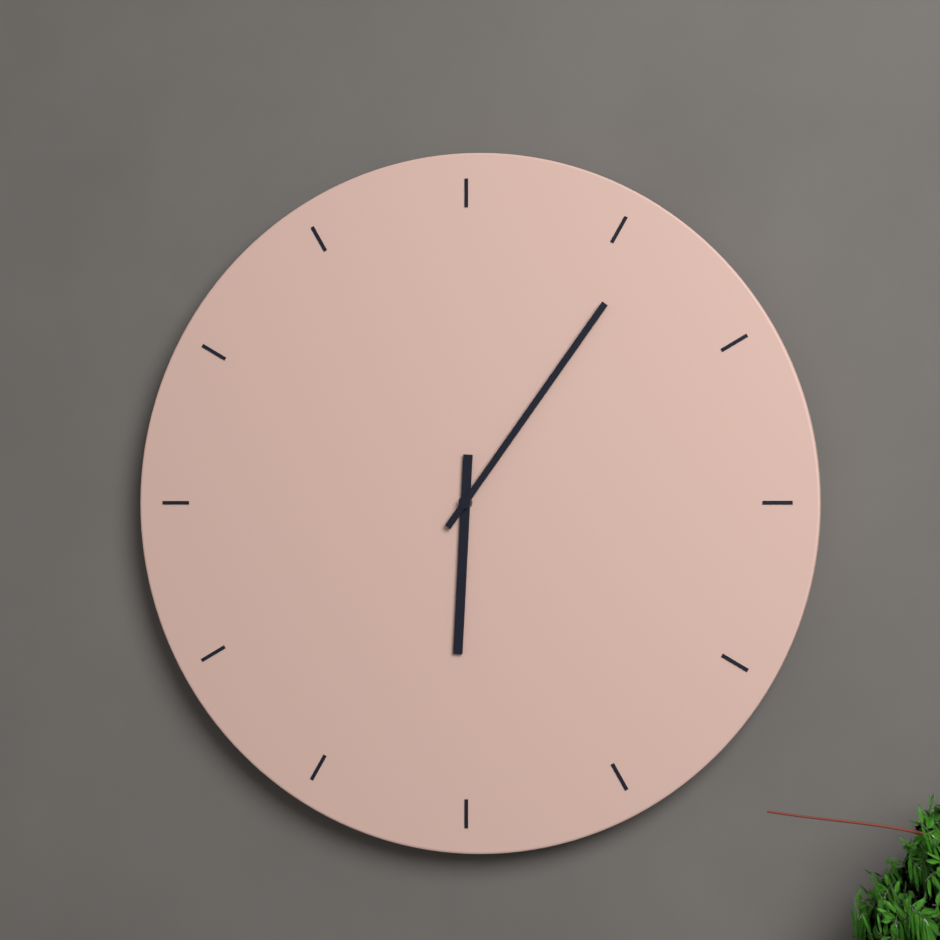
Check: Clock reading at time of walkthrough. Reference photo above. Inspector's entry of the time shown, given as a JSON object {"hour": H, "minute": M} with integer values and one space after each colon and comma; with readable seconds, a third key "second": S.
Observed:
{"hour": 6, "minute": 6}
